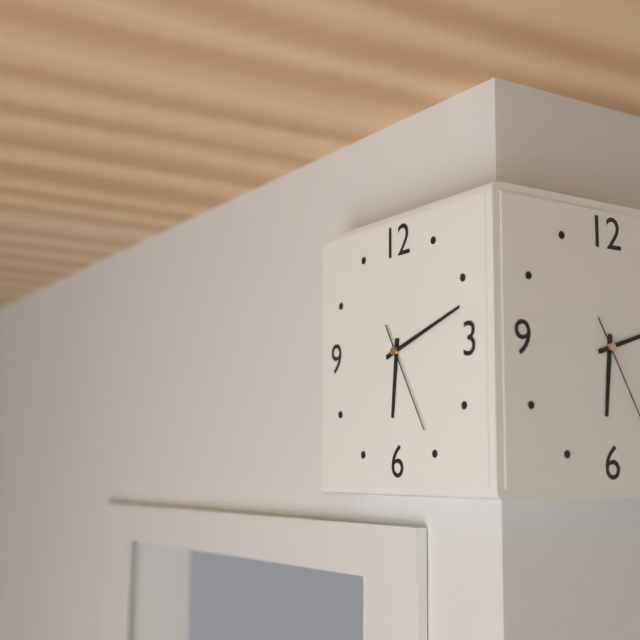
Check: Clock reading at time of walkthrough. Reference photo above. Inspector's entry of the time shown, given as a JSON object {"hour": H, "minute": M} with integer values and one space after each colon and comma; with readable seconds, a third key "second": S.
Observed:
{"hour": 6, "minute": 12, "second": 25}
